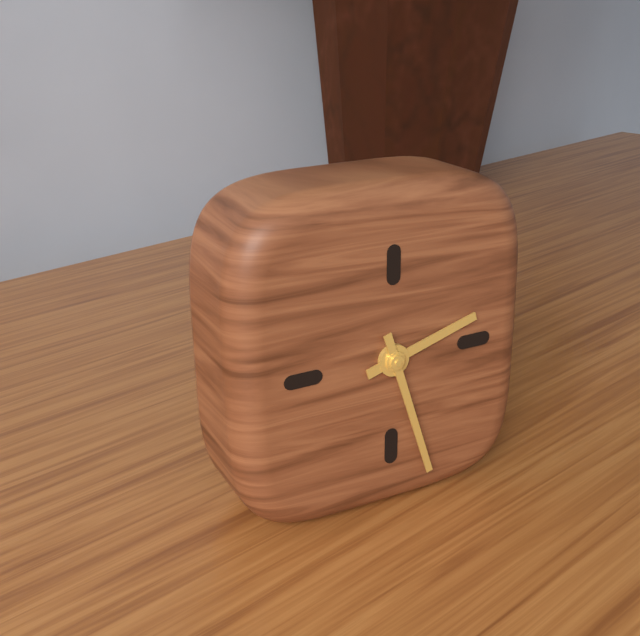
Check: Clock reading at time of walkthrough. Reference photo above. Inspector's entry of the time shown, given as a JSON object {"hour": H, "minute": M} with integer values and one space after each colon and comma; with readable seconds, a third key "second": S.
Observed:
{"hour": 2, "minute": 27}
